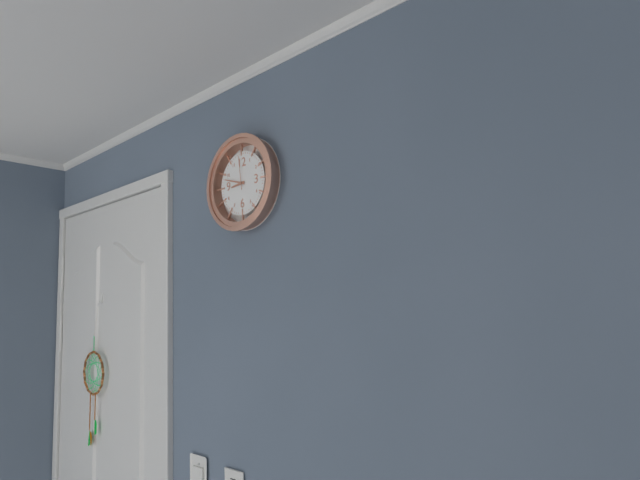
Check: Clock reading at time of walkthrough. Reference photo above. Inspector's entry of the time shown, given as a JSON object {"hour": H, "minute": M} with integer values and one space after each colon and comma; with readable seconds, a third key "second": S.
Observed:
{"hour": 8, "minute": 48}
